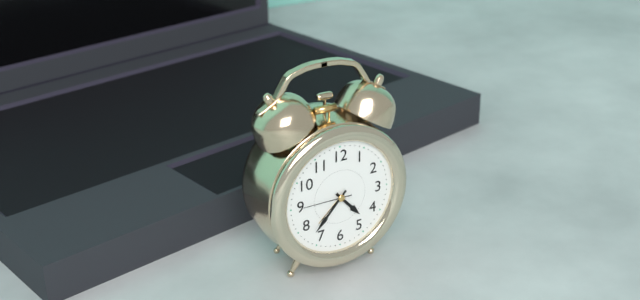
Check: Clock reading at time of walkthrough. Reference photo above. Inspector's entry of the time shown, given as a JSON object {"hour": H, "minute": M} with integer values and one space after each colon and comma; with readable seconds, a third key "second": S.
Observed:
{"hour": 4, "minute": 37}
